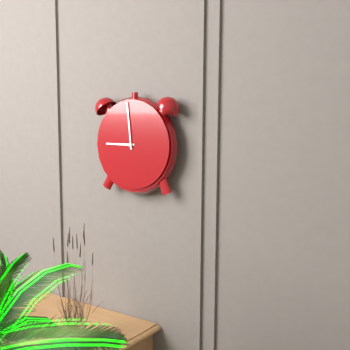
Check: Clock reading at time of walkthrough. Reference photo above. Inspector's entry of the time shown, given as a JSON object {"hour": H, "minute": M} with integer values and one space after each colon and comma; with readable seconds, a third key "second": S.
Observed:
{"hour": 8, "minute": 59}
